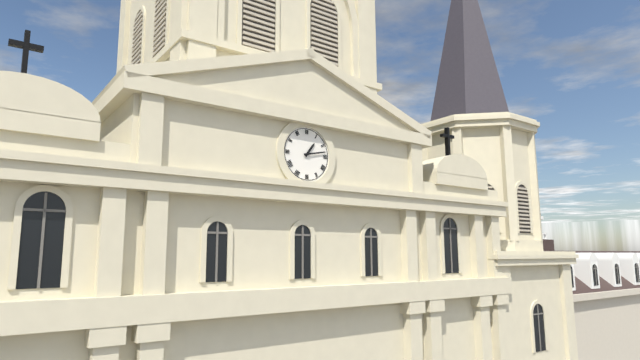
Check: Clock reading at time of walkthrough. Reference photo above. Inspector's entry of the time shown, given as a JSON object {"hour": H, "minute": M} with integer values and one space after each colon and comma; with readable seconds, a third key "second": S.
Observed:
{"hour": 1, "minute": 13}
